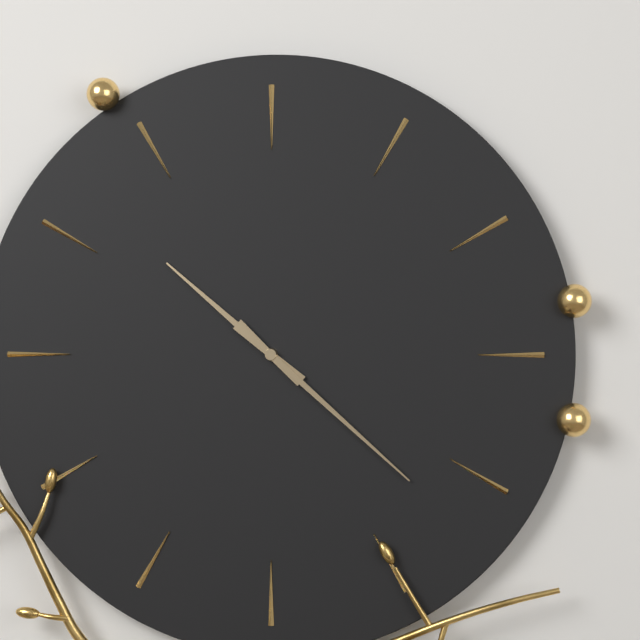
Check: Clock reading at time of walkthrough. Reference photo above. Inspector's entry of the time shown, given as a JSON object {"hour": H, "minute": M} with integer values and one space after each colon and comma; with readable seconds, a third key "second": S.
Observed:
{"hour": 10, "minute": 22}
